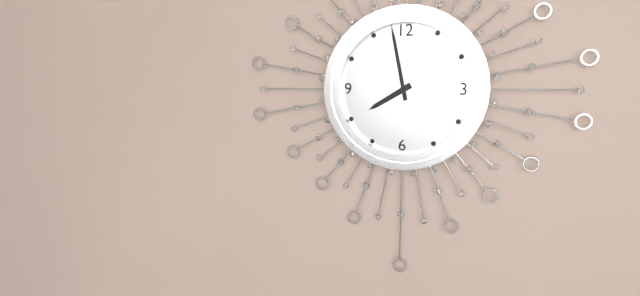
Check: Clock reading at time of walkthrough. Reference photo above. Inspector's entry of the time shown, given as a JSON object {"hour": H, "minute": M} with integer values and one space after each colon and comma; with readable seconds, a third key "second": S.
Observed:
{"hour": 7, "minute": 58}
